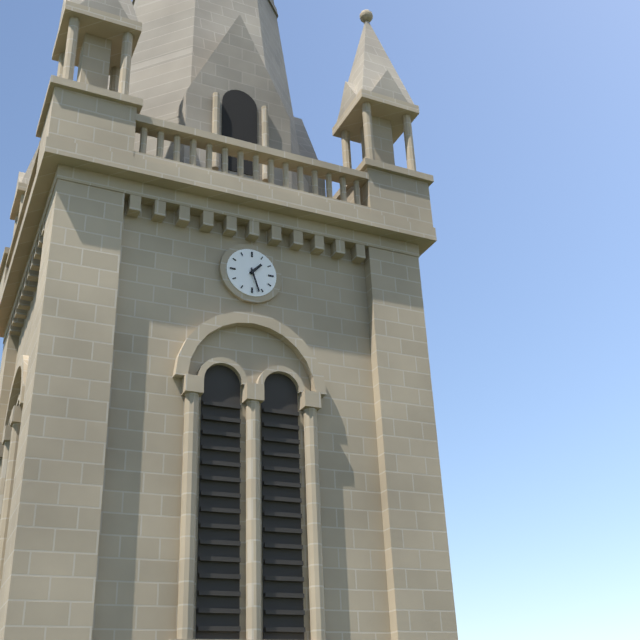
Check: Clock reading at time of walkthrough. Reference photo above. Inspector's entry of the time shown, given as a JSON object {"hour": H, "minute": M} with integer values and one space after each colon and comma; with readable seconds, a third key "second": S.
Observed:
{"hour": 1, "minute": 27}
